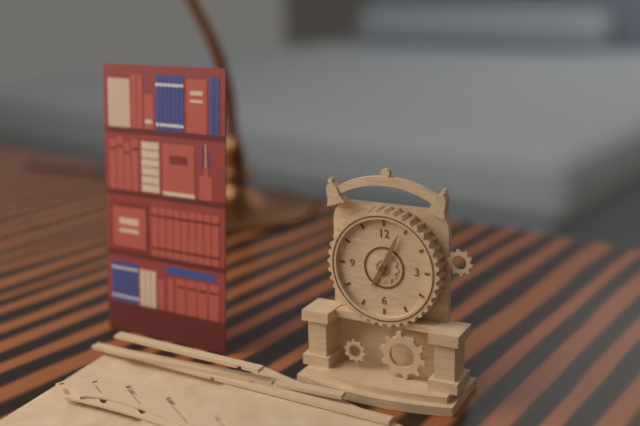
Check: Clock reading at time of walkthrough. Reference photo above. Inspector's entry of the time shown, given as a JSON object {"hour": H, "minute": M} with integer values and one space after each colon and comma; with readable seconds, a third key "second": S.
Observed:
{"hour": 7, "minute": 4}
